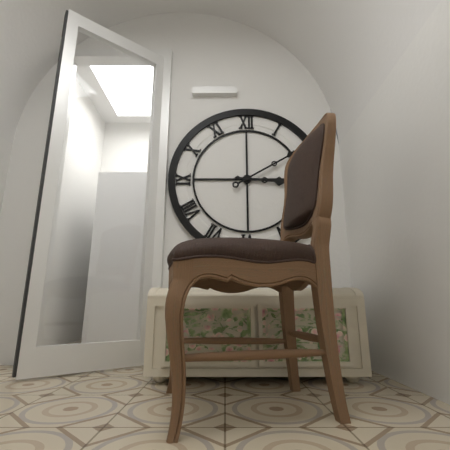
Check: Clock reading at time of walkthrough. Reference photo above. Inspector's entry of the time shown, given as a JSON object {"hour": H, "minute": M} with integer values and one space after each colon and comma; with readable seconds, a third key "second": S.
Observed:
{"hour": 3, "minute": 10}
